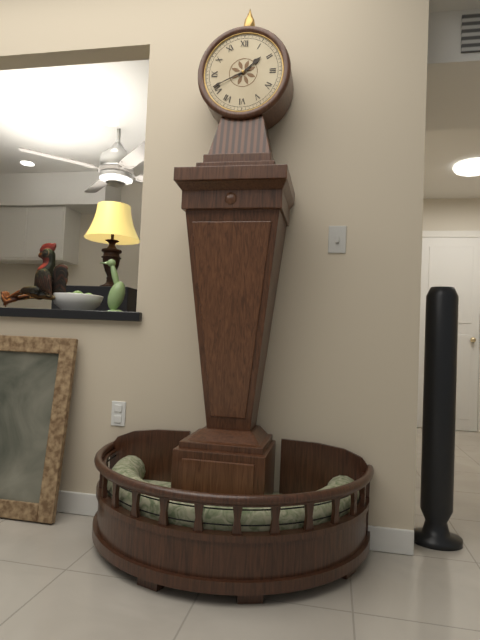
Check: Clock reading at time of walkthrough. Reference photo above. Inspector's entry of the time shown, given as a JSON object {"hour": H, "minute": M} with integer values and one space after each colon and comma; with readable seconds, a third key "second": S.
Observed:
{"hour": 1, "minute": 41}
